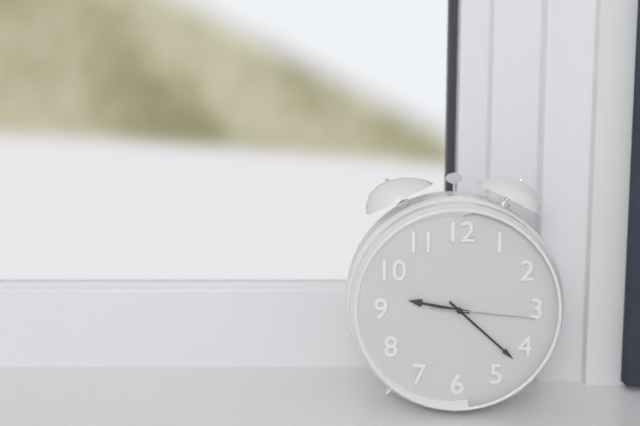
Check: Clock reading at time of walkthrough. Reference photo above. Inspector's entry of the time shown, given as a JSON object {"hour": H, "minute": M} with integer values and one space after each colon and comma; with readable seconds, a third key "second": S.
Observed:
{"hour": 9, "minute": 22, "second": 16}
